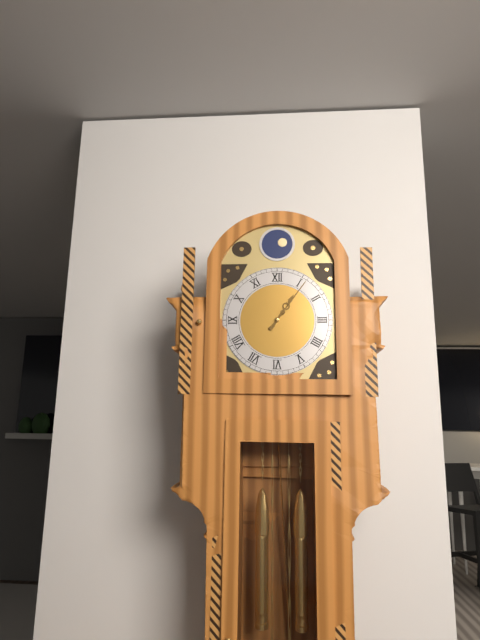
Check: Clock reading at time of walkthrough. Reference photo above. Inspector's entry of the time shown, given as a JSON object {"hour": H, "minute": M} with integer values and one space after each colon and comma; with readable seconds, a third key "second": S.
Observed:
{"hour": 1, "minute": 6}
